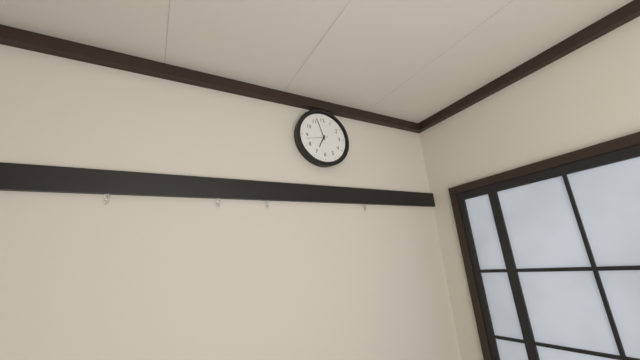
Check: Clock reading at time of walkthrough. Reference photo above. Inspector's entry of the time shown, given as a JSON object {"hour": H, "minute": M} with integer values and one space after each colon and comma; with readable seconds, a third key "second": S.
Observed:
{"hour": 6, "minute": 57}
